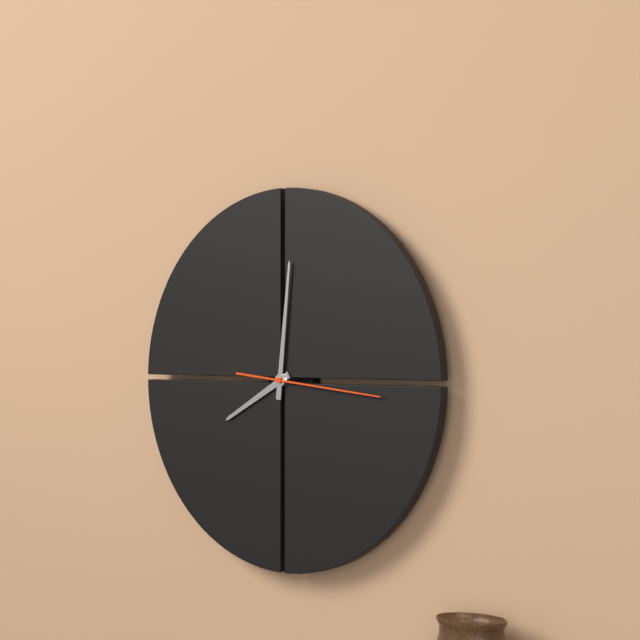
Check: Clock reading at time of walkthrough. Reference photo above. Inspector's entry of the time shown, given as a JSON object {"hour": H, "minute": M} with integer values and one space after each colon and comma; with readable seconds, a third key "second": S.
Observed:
{"hour": 8, "minute": 1, "second": 16}
